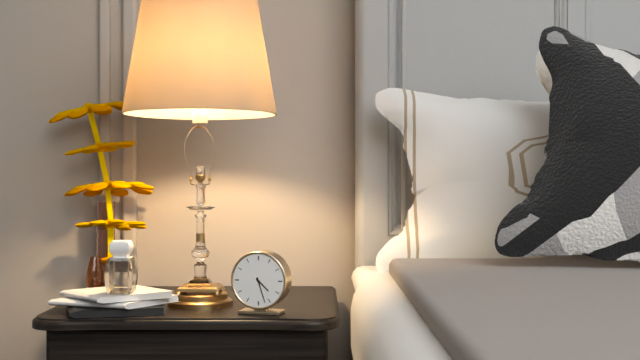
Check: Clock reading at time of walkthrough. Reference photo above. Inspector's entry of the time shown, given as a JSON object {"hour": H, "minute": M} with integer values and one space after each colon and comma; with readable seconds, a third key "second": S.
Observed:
{"hour": 4, "minute": 27}
